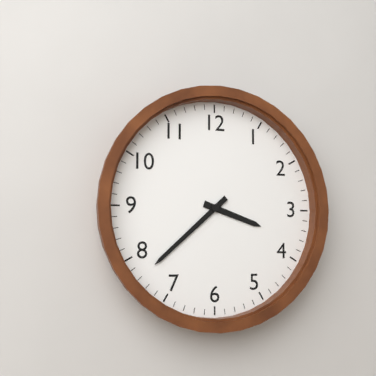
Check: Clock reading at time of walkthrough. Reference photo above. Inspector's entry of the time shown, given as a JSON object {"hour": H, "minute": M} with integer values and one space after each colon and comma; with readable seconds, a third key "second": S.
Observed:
{"hour": 3, "minute": 38}
